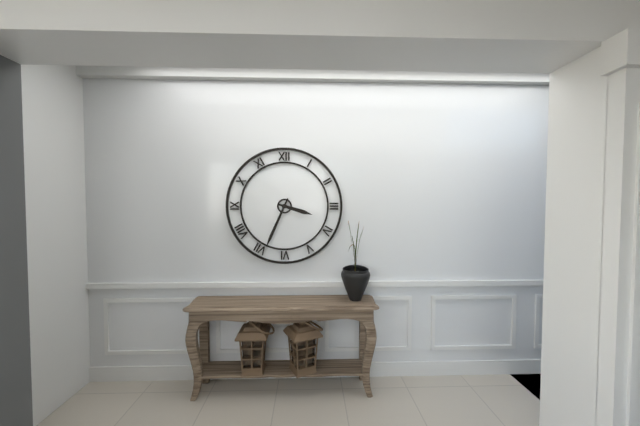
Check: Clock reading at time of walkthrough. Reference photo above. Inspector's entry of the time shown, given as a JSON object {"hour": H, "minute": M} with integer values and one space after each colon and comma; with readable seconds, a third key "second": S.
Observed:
{"hour": 3, "minute": 34}
